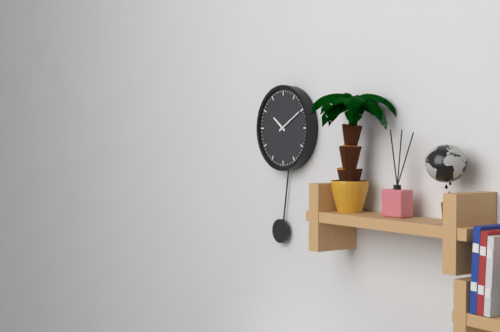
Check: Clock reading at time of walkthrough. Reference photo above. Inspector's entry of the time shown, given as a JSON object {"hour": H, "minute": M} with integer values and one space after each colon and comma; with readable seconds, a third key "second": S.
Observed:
{"hour": 10, "minute": 10}
